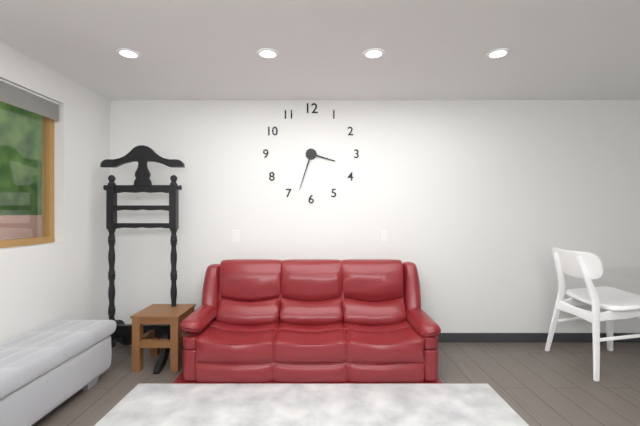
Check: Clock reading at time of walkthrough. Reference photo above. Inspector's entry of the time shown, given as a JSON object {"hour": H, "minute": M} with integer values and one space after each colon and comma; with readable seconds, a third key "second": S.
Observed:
{"hour": 3, "minute": 33}
